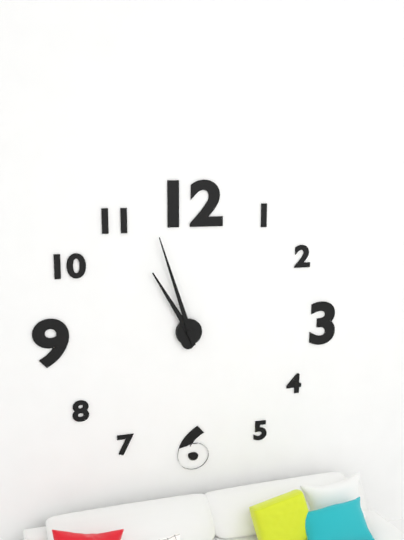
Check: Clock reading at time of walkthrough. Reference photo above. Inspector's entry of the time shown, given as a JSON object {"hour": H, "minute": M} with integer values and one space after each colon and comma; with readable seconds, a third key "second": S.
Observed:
{"hour": 10, "minute": 57}
